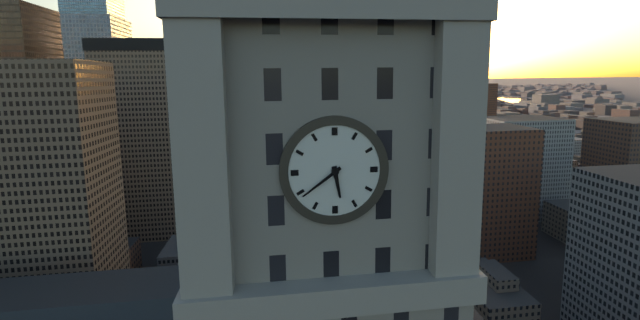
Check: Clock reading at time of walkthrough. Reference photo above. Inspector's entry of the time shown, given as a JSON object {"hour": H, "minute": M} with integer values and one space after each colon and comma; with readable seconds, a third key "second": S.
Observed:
{"hour": 5, "minute": 39}
